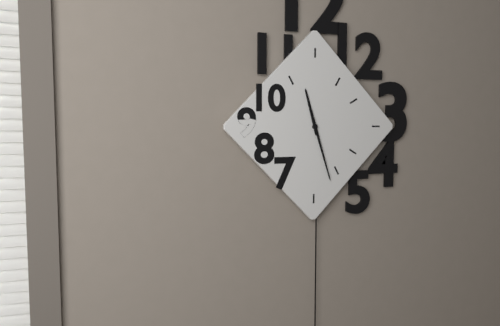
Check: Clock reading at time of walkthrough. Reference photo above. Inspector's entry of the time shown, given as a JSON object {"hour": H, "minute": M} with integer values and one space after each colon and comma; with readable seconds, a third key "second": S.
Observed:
{"hour": 11, "minute": 27}
